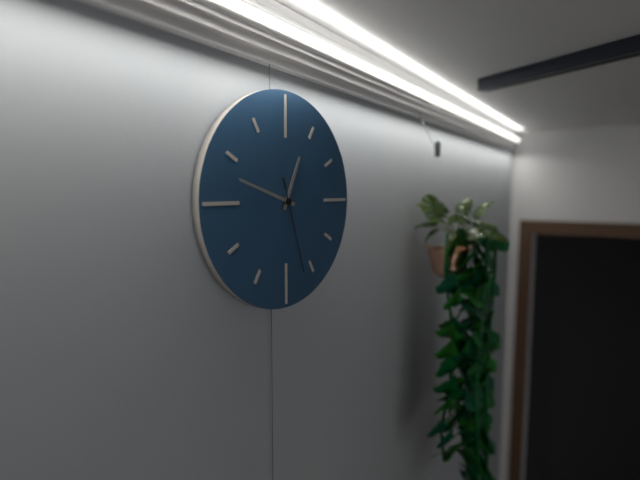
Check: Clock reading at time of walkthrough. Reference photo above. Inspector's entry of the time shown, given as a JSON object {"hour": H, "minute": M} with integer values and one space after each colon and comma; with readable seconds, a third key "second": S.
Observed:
{"hour": 12, "minute": 48, "second": 27}
